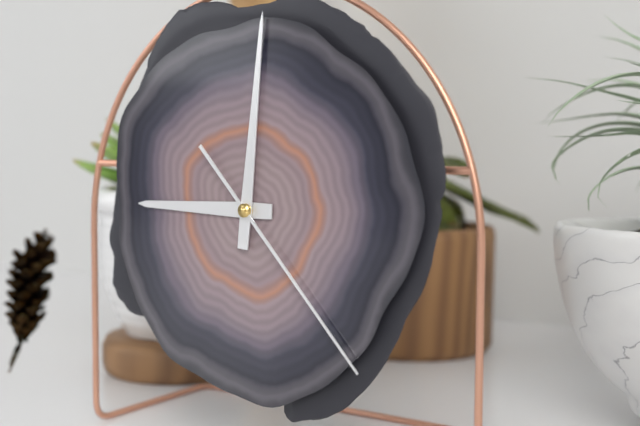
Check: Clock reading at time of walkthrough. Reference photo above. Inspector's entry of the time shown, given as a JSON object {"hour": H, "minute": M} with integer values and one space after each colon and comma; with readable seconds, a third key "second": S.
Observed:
{"hour": 9, "minute": 1, "second": 23}
